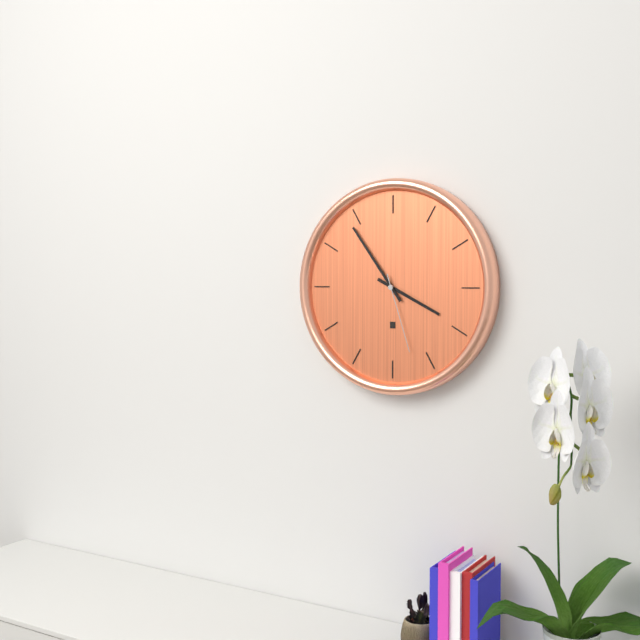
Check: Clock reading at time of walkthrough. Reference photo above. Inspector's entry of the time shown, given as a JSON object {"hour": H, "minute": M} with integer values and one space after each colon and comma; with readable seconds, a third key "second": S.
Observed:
{"hour": 3, "minute": 54, "second": 27}
